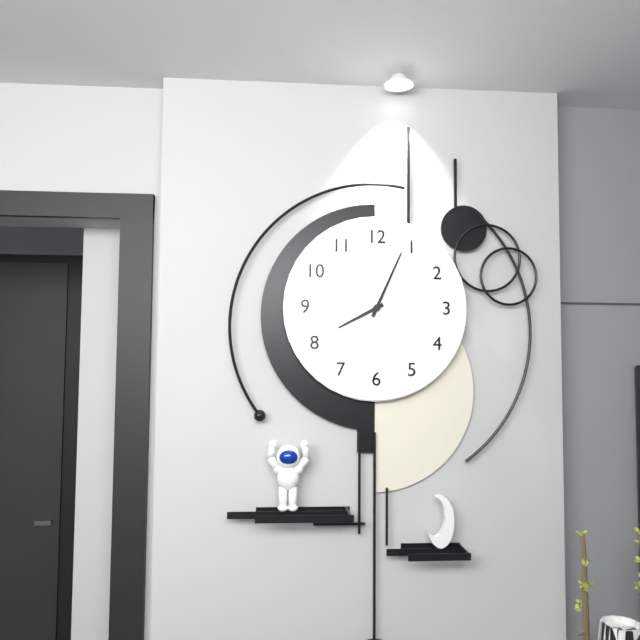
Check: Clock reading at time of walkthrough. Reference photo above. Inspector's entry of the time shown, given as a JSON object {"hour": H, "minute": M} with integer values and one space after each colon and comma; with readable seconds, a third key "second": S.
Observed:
{"hour": 8, "minute": 4}
